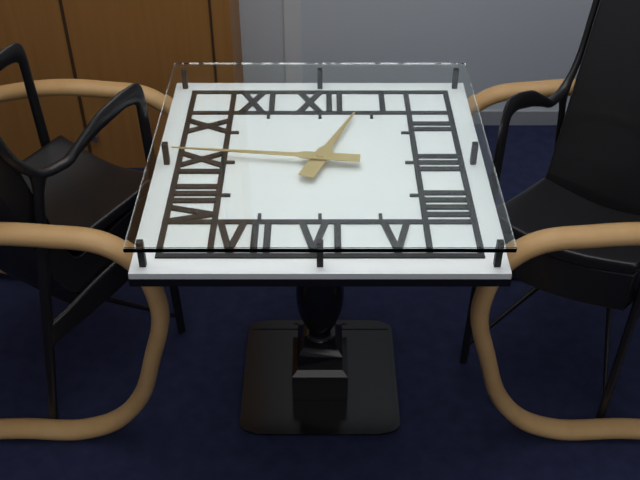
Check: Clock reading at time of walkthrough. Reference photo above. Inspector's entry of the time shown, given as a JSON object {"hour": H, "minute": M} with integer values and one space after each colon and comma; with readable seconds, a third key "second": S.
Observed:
{"hour": 12, "minute": 46}
